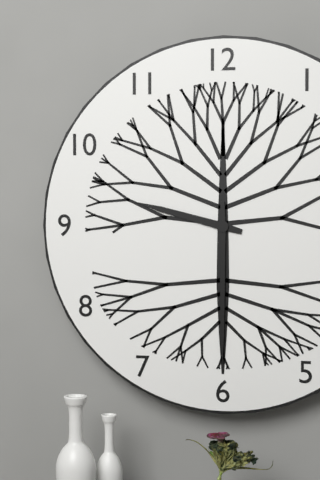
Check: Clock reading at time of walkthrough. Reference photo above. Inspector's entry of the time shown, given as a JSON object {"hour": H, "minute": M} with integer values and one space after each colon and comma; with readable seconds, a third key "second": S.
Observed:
{"hour": 9, "minute": 30}
